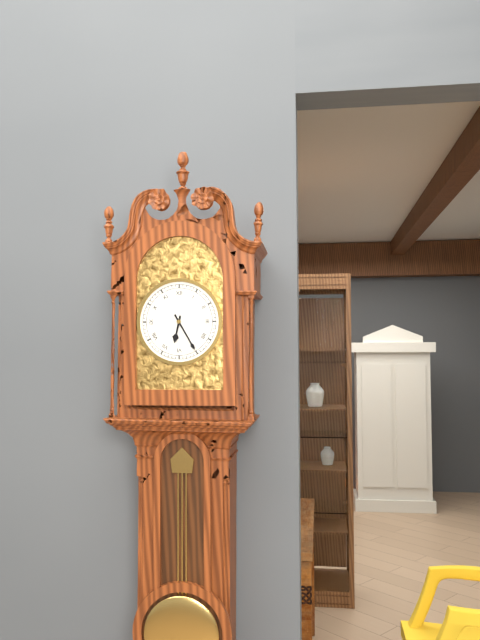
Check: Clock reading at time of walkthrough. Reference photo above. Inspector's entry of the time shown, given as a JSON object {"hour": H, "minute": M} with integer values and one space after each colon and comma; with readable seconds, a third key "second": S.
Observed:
{"hour": 6, "minute": 25}
